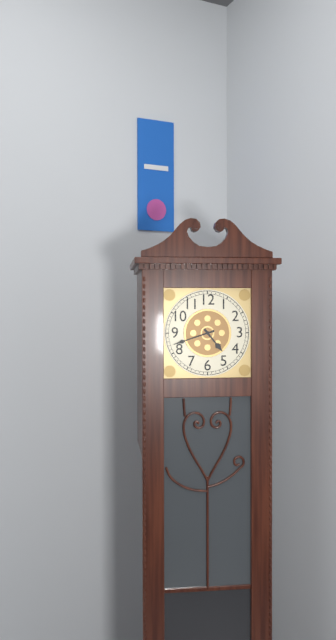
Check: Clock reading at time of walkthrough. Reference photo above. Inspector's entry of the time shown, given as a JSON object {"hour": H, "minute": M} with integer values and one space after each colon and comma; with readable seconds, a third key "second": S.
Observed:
{"hour": 4, "minute": 42}
